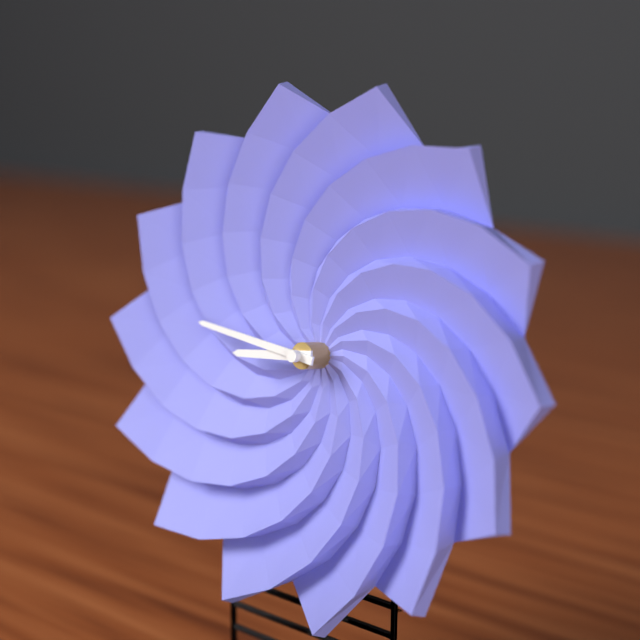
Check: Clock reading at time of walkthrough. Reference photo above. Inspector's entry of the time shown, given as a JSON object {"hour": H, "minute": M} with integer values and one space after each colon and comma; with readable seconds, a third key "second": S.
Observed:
{"hour": 8, "minute": 46}
